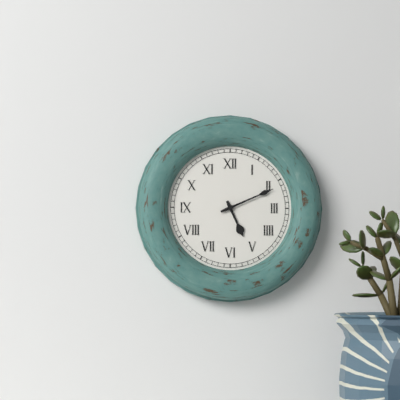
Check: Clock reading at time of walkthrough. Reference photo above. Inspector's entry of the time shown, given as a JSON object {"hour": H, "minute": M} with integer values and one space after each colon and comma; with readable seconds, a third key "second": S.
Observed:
{"hour": 5, "minute": 11}
